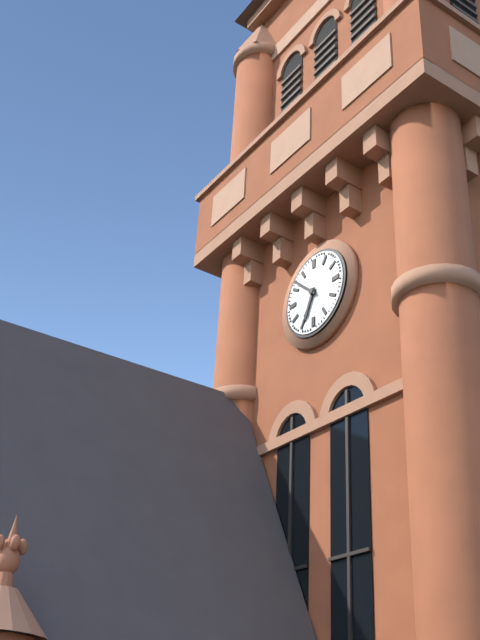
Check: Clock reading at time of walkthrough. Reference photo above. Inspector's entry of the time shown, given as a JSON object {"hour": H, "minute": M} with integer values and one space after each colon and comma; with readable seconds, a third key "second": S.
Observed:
{"hour": 6, "minute": 52}
